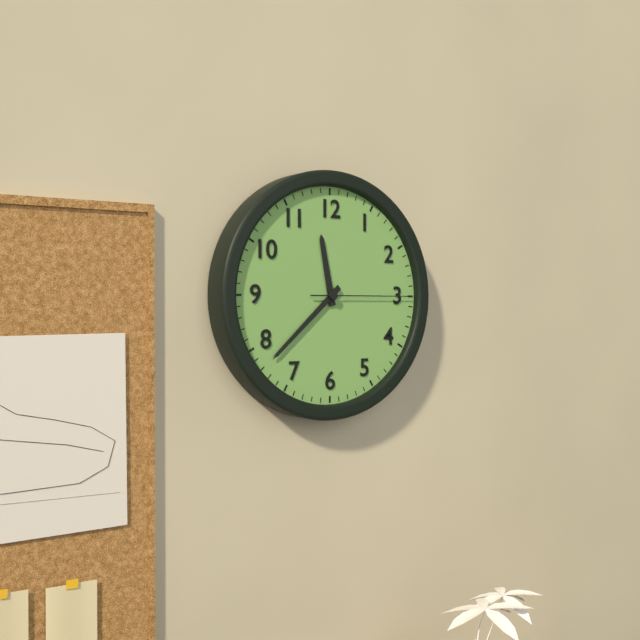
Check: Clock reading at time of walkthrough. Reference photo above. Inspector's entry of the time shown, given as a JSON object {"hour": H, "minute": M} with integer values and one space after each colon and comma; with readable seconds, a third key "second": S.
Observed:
{"hour": 11, "minute": 38, "second": 15}
